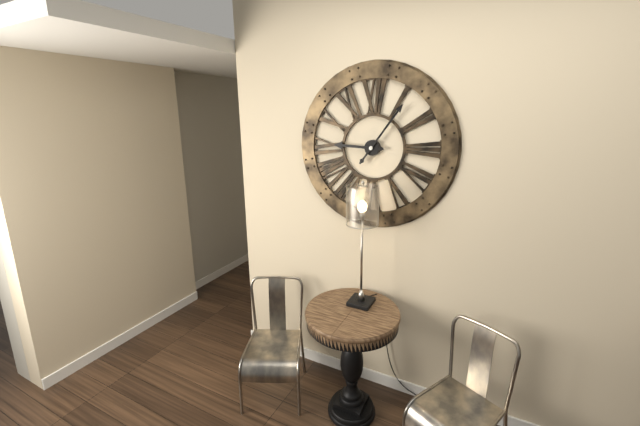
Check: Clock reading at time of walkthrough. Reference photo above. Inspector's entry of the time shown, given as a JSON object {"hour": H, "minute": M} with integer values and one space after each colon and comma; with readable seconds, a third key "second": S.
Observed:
{"hour": 9, "minute": 6}
